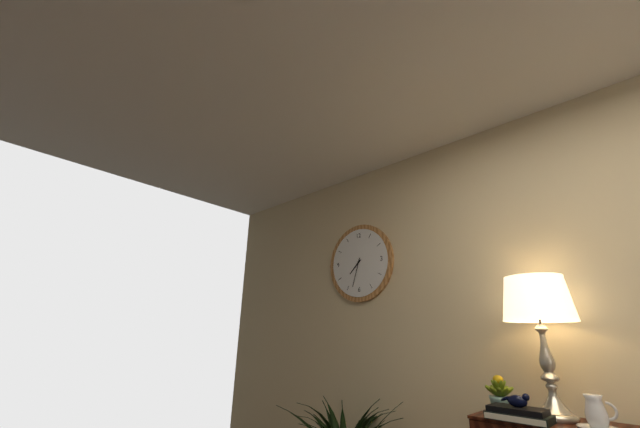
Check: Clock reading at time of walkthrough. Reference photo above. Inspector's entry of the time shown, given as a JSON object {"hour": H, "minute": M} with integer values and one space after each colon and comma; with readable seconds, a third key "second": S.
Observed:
{"hour": 7, "minute": 33}
